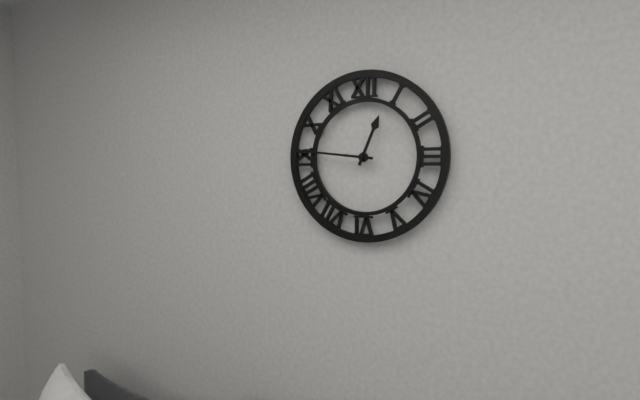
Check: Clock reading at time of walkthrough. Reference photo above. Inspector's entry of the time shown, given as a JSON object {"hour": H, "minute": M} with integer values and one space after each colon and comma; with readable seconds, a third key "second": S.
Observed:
{"hour": 12, "minute": 46}
